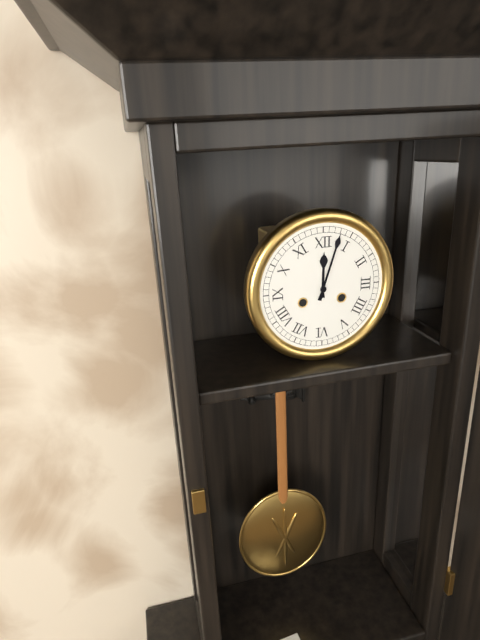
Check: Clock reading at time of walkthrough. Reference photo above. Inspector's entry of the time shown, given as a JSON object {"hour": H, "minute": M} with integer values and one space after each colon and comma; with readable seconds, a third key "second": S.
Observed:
{"hour": 12, "minute": 3}
